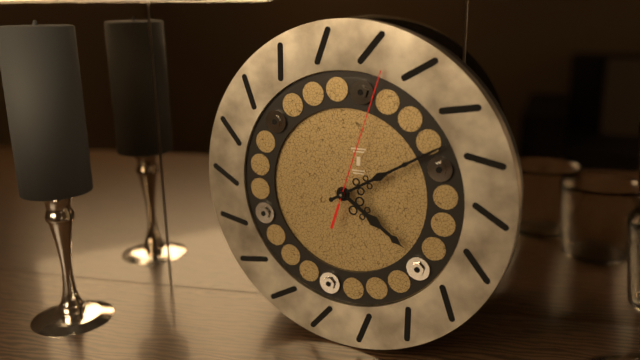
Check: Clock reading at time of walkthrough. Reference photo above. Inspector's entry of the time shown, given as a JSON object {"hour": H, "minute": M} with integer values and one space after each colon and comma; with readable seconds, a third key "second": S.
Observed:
{"hour": 4, "minute": 10, "second": 3}
